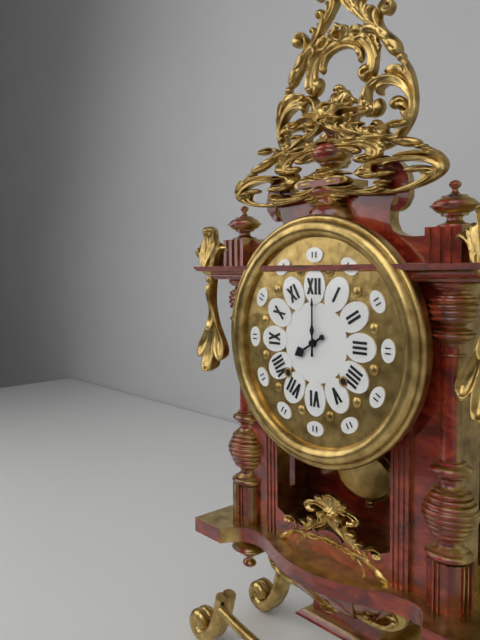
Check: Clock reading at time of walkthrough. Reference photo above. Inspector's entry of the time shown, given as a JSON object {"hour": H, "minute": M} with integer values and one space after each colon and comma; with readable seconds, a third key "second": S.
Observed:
{"hour": 8, "minute": 0}
